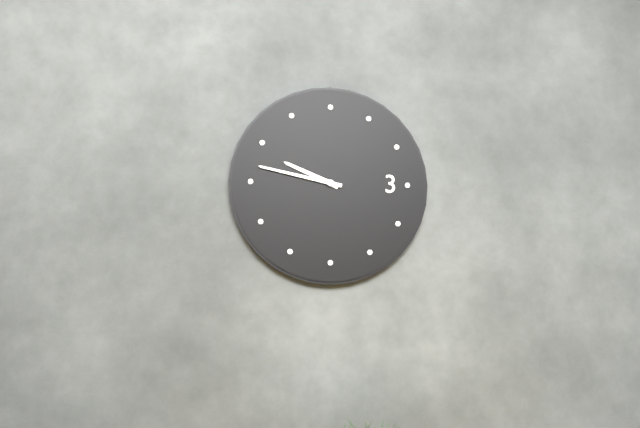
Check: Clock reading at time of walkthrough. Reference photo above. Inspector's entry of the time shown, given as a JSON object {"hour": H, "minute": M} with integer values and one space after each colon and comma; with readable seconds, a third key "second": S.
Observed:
{"hour": 9, "minute": 47}
